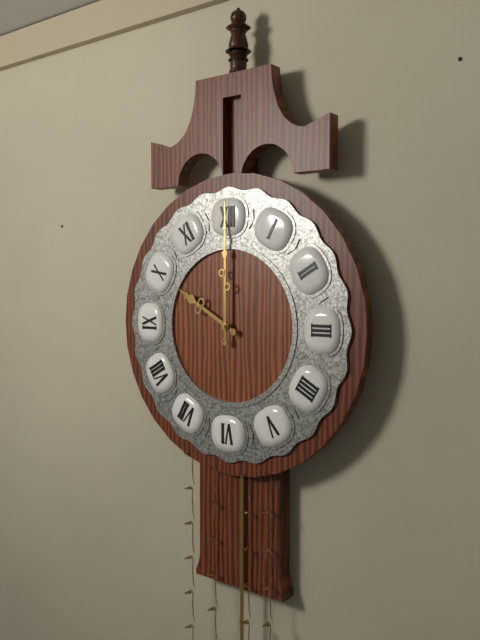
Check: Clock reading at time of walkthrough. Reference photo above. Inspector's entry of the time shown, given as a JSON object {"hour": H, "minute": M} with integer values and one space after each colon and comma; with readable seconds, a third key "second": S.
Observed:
{"hour": 10, "minute": 0}
